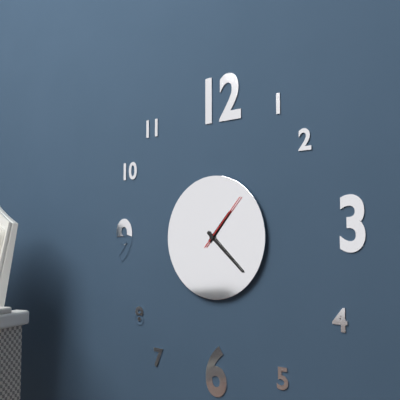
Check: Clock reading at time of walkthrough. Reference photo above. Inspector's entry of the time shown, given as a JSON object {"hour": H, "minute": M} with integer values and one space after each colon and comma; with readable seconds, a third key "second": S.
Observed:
{"hour": 1, "minute": 22, "second": 7}
